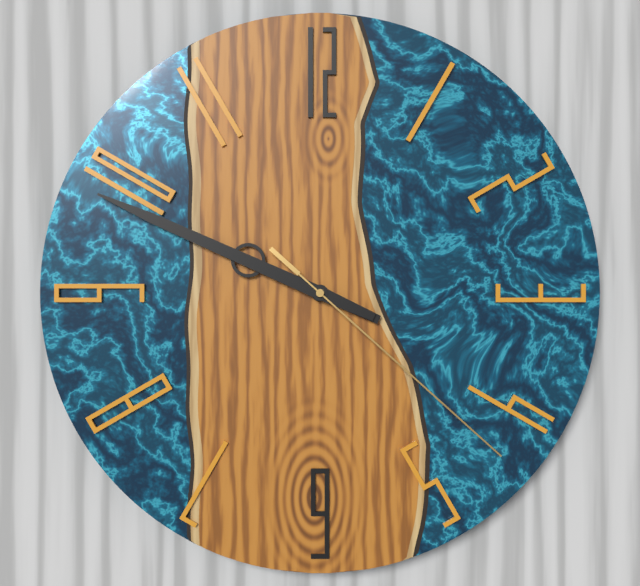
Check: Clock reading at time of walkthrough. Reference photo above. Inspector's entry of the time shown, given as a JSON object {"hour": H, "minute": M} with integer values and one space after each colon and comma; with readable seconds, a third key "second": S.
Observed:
{"hour": 9, "minute": 49, "second": 22}
